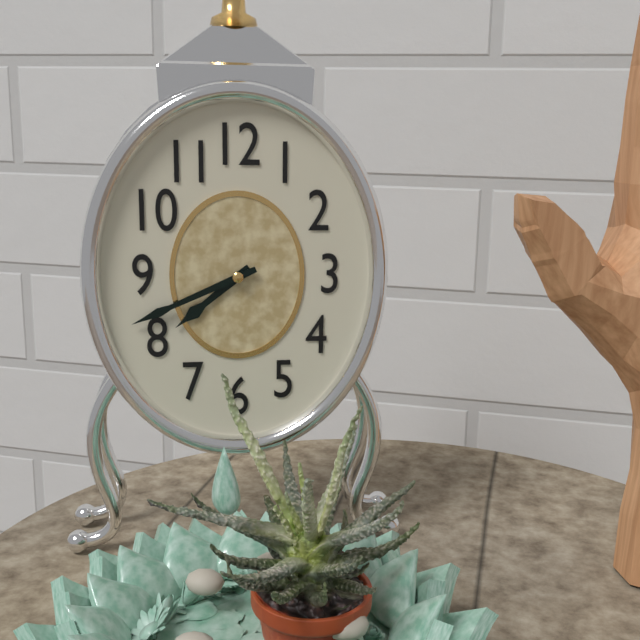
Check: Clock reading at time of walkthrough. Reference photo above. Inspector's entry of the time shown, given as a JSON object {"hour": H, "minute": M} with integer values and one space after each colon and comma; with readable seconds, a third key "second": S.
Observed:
{"hour": 7, "minute": 41}
